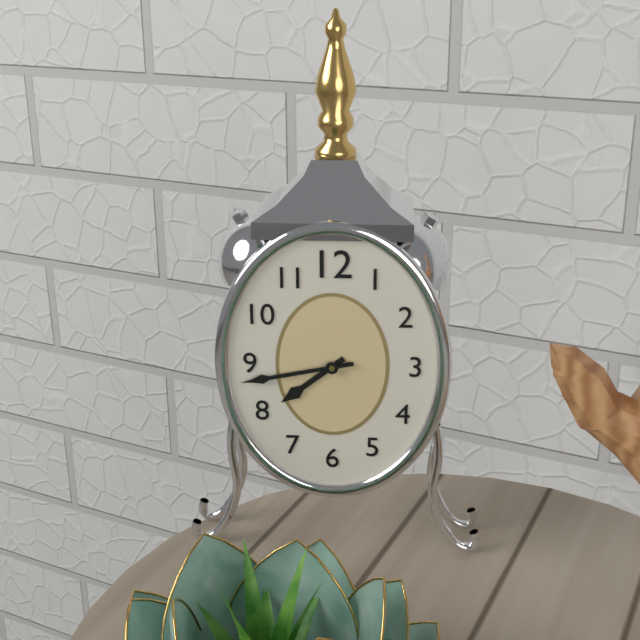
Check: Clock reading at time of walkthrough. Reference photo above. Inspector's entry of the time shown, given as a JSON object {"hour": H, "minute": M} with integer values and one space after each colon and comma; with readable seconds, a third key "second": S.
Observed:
{"hour": 7, "minute": 43}
